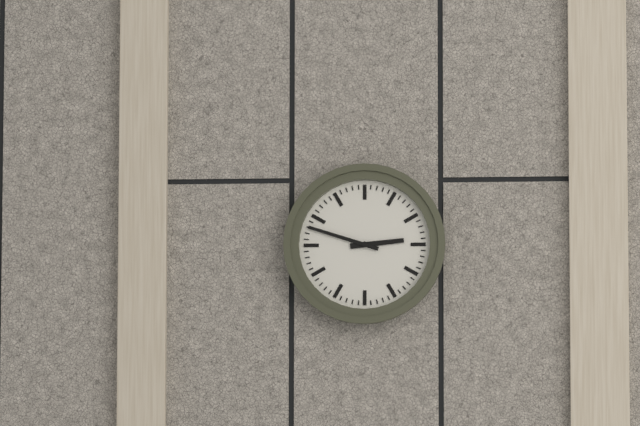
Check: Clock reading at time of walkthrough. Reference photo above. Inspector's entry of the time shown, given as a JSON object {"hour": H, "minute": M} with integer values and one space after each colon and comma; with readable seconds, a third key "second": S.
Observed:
{"hour": 2, "minute": 48}
